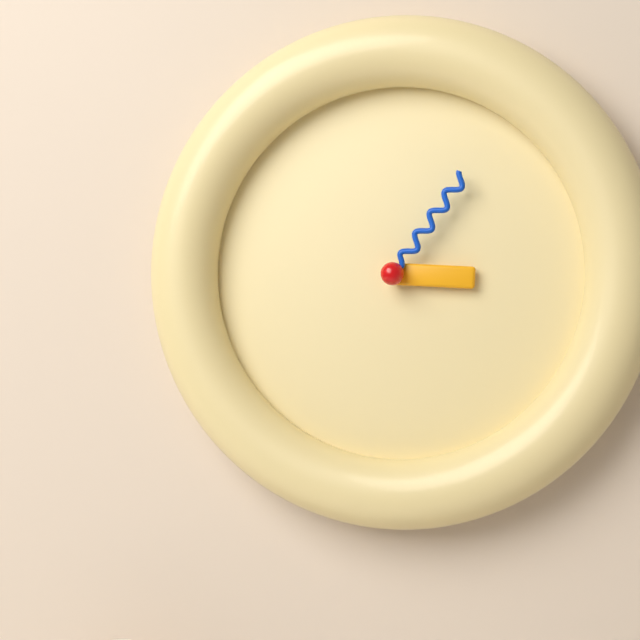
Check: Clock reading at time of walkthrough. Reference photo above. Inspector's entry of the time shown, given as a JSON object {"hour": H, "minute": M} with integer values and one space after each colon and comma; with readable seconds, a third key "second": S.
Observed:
{"hour": 3, "minute": 6}
